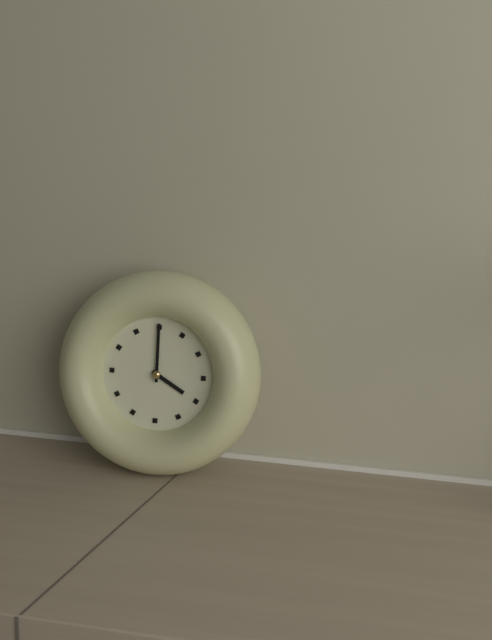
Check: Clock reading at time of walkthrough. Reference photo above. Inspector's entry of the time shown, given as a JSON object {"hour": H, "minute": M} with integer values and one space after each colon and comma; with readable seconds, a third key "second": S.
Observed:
{"hour": 4, "minute": 0}
